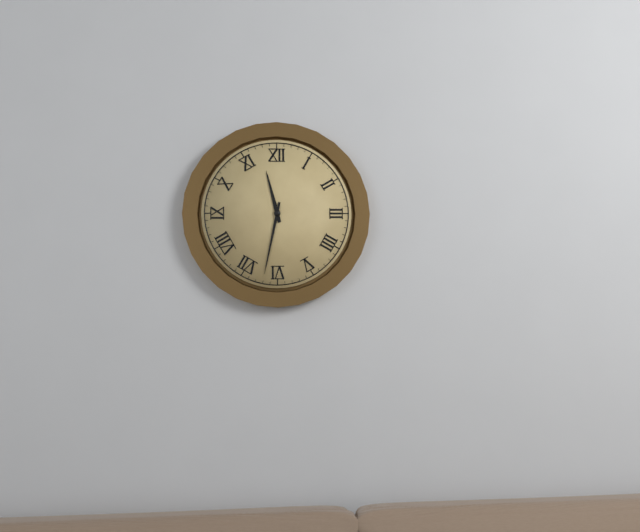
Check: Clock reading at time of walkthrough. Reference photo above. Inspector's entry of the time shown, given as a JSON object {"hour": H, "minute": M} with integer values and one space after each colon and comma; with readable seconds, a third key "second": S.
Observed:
{"hour": 11, "minute": 32}
